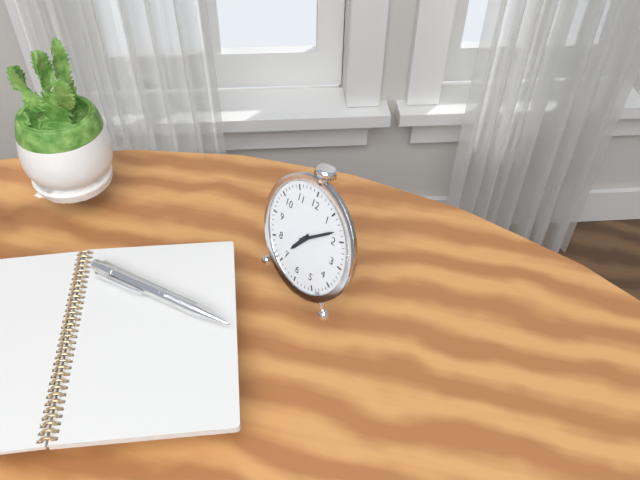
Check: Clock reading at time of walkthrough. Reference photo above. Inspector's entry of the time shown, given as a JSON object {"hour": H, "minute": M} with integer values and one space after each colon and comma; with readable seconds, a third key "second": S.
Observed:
{"hour": 7, "minute": 8}
